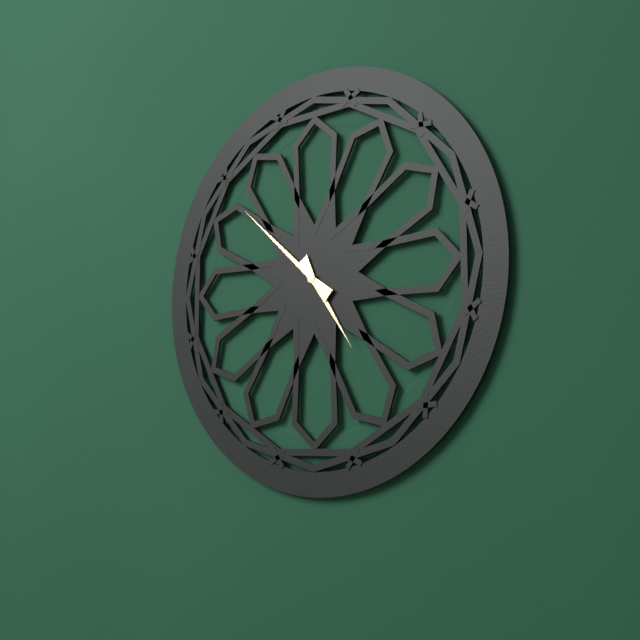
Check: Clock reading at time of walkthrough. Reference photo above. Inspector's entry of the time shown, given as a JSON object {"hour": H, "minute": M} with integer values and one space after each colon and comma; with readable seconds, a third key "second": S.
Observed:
{"hour": 4, "minute": 52}
